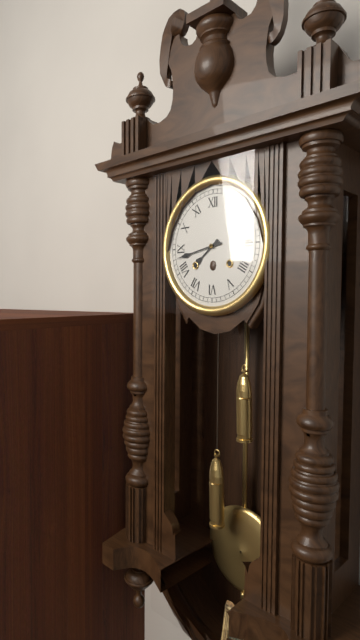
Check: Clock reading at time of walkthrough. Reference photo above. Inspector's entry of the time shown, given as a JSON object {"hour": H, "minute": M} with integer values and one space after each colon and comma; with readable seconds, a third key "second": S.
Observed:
{"hour": 7, "minute": 43}
